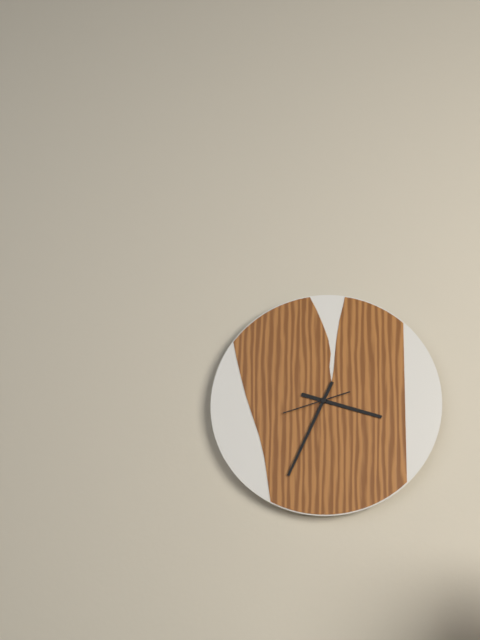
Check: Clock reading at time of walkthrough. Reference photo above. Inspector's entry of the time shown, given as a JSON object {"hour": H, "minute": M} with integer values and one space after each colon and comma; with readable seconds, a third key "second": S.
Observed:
{"hour": 3, "minute": 34, "second": 42}
